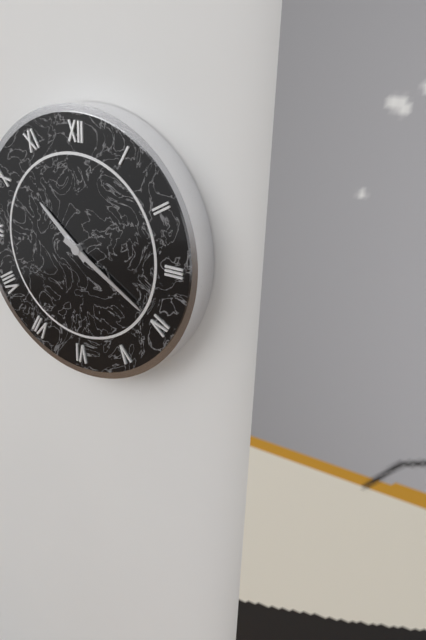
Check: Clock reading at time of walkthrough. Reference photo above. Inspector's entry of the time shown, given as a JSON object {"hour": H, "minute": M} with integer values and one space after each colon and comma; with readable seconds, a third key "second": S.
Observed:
{"hour": 10, "minute": 20}
